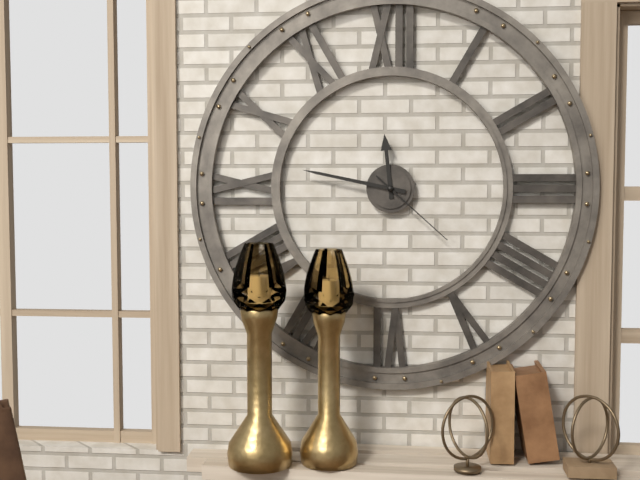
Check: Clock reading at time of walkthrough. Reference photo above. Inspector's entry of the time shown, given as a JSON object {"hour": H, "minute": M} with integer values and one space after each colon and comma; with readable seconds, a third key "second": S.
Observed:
{"hour": 11, "minute": 47, "second": 22}
